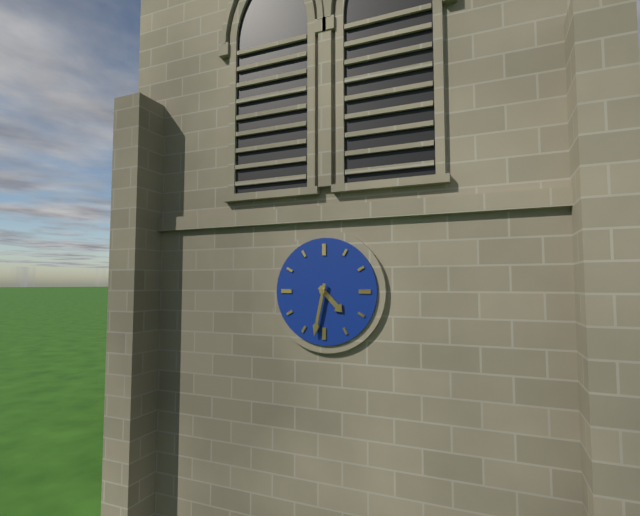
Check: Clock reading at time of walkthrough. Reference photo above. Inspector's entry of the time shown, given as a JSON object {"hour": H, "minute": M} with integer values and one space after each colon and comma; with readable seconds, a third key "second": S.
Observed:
{"hour": 4, "minute": 32}
